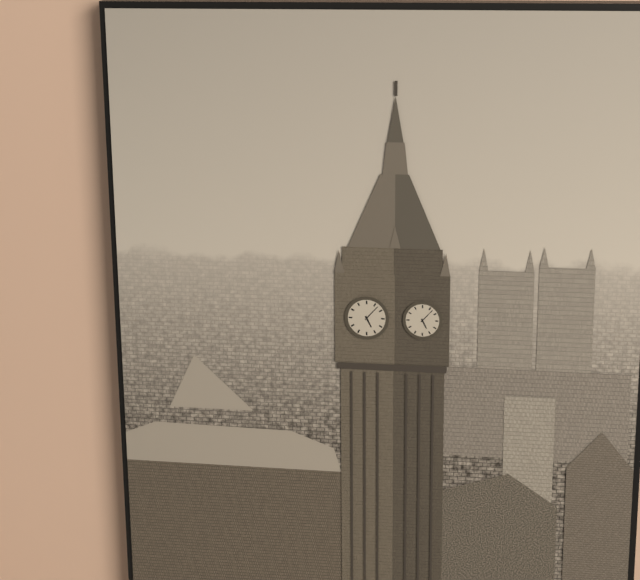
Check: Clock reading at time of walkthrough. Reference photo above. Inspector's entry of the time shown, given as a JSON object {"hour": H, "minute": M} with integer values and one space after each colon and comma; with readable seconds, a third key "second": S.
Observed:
{"hour": 5, "minute": 7}
